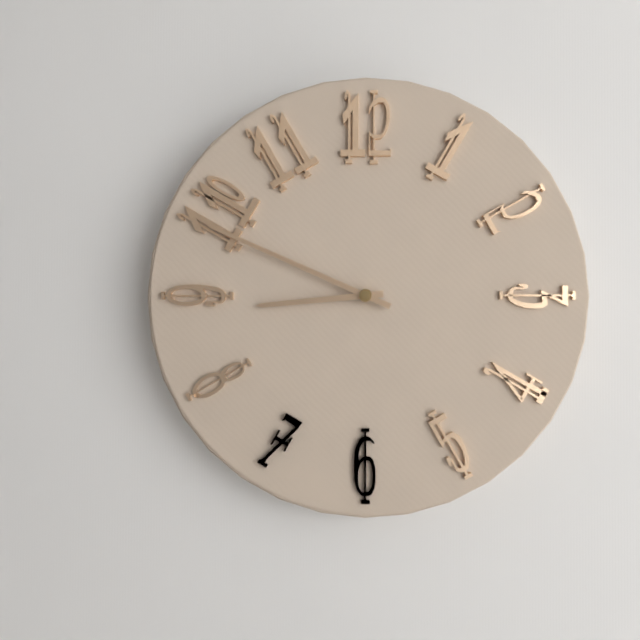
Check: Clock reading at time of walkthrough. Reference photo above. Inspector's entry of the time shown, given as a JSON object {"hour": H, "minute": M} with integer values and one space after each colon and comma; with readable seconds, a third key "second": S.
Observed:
{"hour": 8, "minute": 49}
